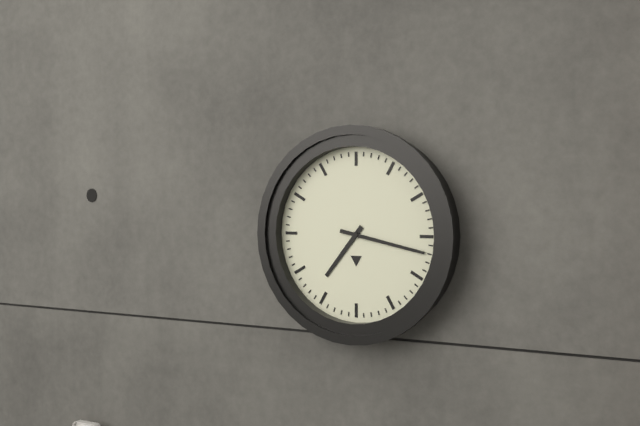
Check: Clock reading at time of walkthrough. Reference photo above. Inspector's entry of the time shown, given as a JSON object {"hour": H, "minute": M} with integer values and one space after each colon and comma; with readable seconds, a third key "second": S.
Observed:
{"hour": 7, "minute": 17}
